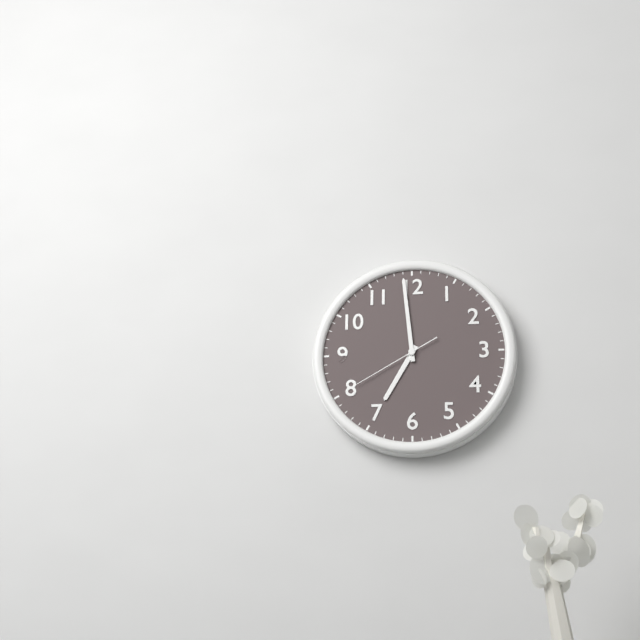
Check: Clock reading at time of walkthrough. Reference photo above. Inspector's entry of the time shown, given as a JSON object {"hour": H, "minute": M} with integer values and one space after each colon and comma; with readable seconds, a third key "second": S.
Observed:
{"hour": 6, "minute": 59, "second": 40}
